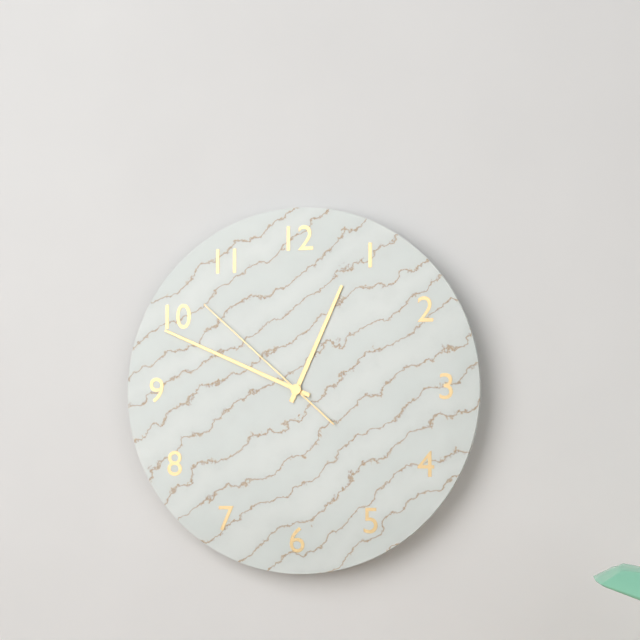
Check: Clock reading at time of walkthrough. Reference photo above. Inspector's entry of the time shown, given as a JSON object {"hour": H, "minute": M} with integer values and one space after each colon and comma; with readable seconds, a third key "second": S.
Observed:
{"hour": 12, "minute": 49, "second": 52}
